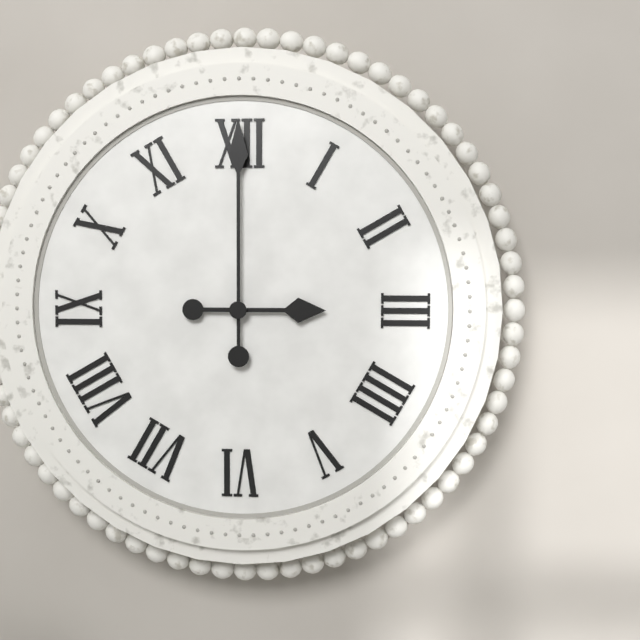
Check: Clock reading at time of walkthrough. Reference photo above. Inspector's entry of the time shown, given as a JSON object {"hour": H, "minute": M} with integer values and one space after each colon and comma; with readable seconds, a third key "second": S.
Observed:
{"hour": 3, "minute": 0}
